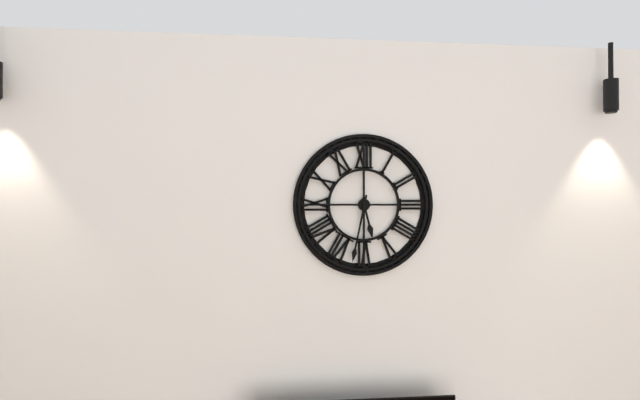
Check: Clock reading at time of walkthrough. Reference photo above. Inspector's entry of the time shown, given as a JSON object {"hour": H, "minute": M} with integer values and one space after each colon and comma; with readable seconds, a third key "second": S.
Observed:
{"hour": 5, "minute": 32}
